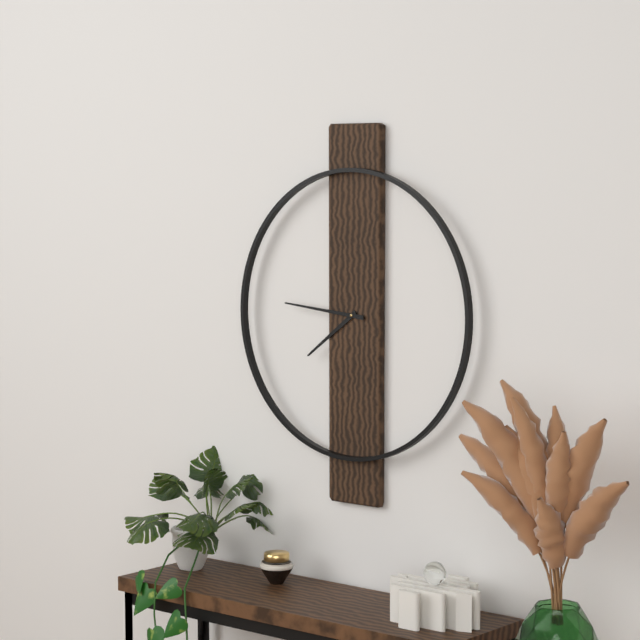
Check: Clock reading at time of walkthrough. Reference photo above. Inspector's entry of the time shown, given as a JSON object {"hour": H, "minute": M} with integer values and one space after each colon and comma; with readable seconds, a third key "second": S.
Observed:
{"hour": 7, "minute": 46}
